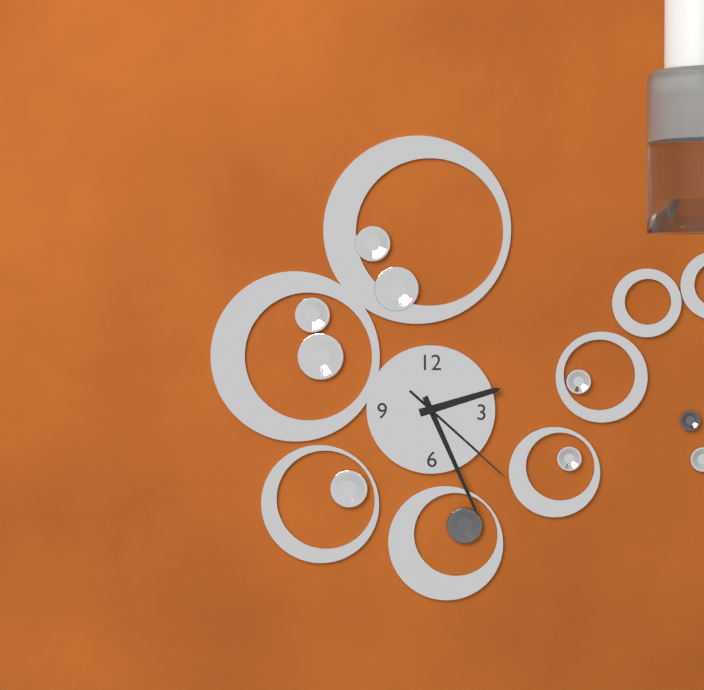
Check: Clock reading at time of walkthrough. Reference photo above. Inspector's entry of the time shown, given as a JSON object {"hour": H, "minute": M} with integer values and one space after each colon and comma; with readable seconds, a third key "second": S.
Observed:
{"hour": 2, "minute": 26, "second": 22}
